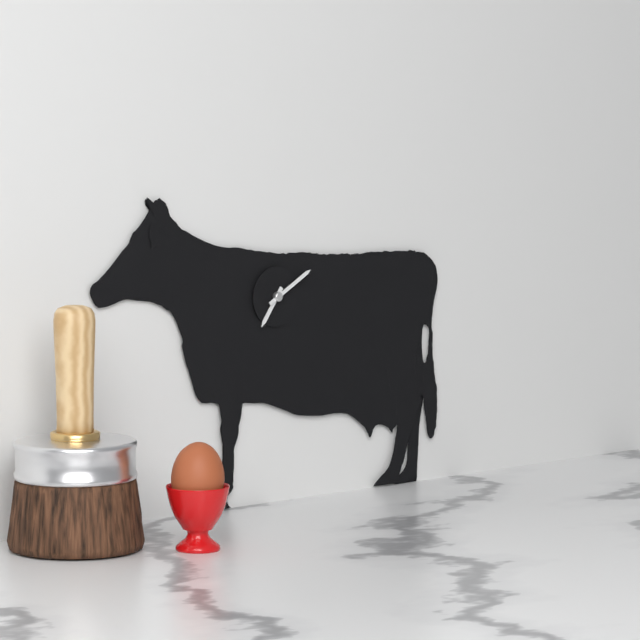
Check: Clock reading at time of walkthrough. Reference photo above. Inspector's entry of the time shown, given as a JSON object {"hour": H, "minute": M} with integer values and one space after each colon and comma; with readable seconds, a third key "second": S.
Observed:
{"hour": 7, "minute": 10}
